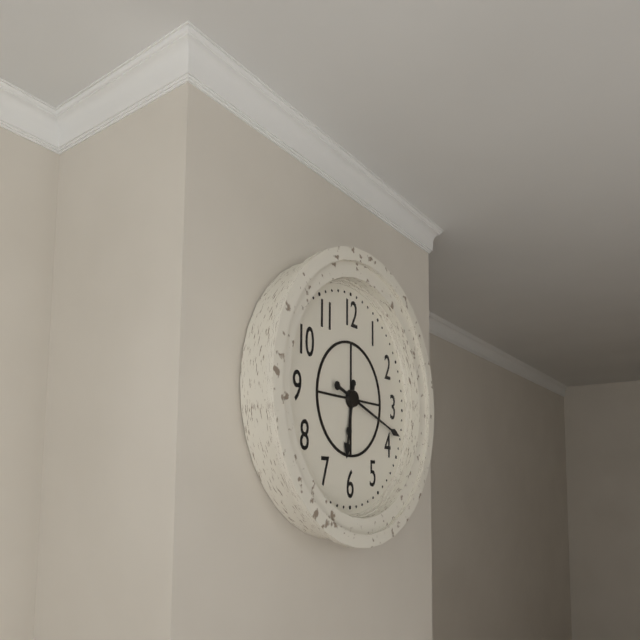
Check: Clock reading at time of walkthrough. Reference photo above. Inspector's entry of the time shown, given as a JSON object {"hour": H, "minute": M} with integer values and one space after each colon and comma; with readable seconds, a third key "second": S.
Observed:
{"hour": 6, "minute": 18}
